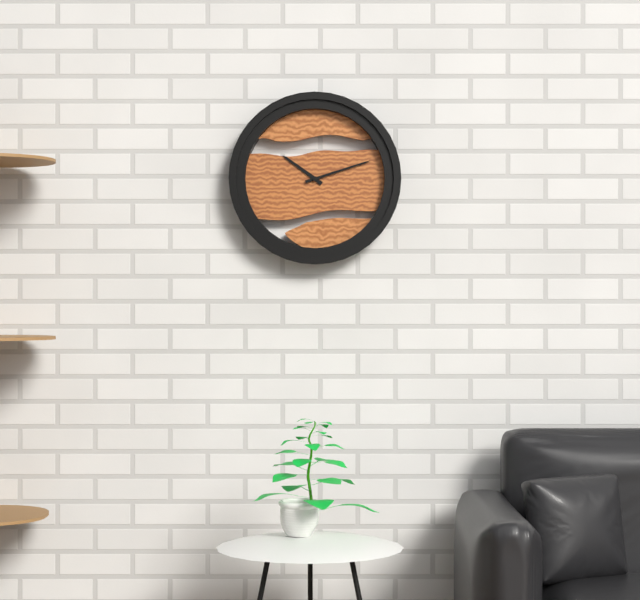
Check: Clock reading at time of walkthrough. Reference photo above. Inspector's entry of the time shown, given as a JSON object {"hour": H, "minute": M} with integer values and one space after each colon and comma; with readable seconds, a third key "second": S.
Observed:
{"hour": 10, "minute": 12}
